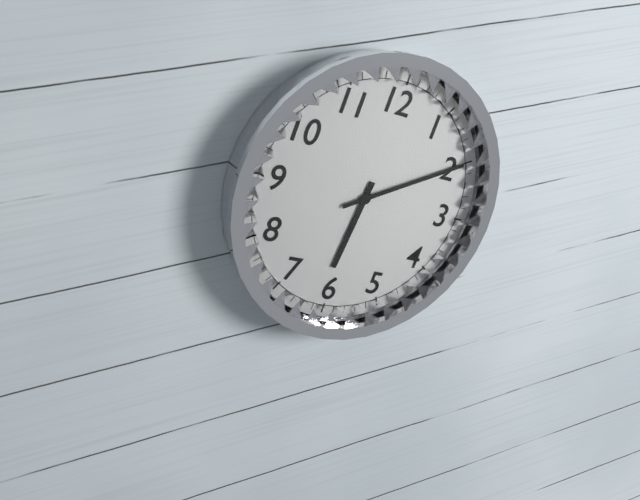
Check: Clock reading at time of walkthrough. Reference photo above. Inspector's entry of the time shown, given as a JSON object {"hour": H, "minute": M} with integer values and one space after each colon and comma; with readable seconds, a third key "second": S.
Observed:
{"hour": 6, "minute": 10}
